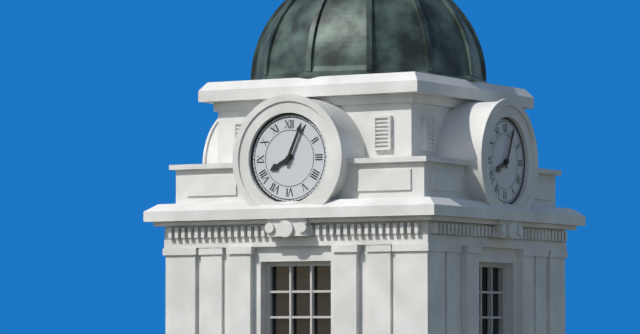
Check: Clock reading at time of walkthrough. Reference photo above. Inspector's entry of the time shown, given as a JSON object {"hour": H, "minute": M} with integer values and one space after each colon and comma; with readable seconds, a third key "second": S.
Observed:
{"hour": 8, "minute": 4}
